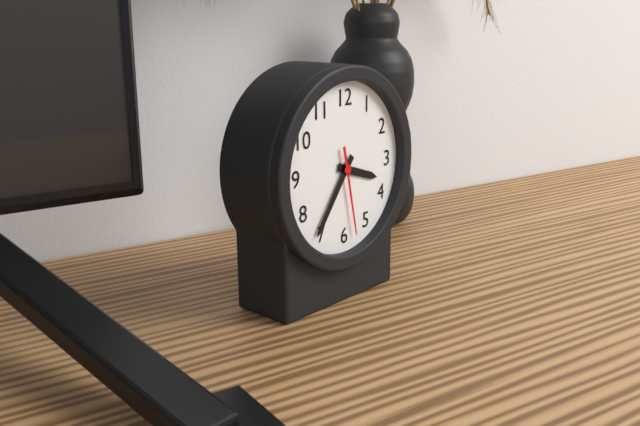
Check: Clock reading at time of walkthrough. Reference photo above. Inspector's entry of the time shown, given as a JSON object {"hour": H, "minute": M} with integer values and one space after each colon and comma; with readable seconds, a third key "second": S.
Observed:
{"hour": 3, "minute": 36, "second": 28}
